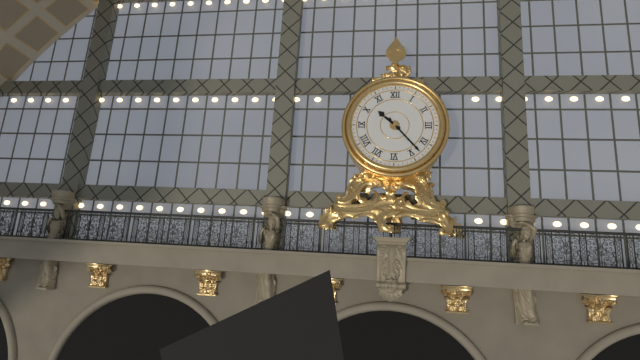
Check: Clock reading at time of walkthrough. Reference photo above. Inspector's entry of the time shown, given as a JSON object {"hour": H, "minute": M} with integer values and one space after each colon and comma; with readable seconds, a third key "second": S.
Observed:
{"hour": 10, "minute": 23}
